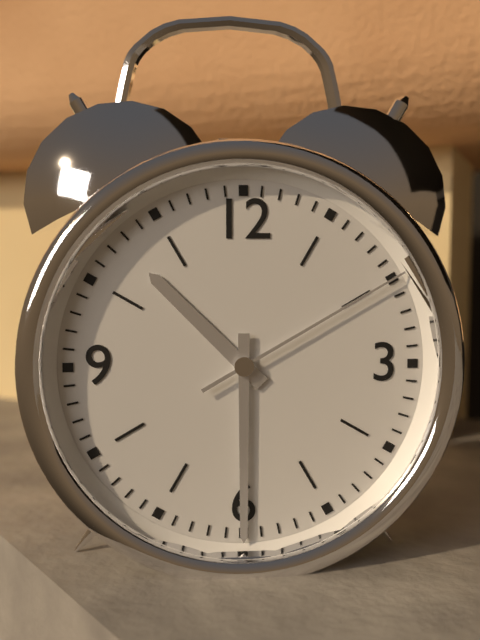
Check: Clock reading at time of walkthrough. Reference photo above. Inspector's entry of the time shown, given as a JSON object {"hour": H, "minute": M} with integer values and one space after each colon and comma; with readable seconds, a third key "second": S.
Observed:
{"hour": 10, "minute": 30, "second": 10}
